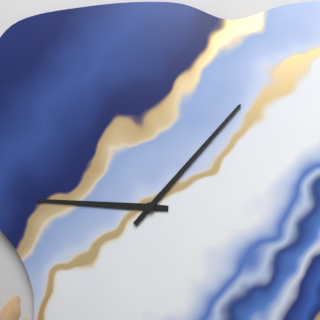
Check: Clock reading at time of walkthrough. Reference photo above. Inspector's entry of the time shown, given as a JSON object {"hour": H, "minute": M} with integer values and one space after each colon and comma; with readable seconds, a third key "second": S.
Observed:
{"hour": 9, "minute": 7}
